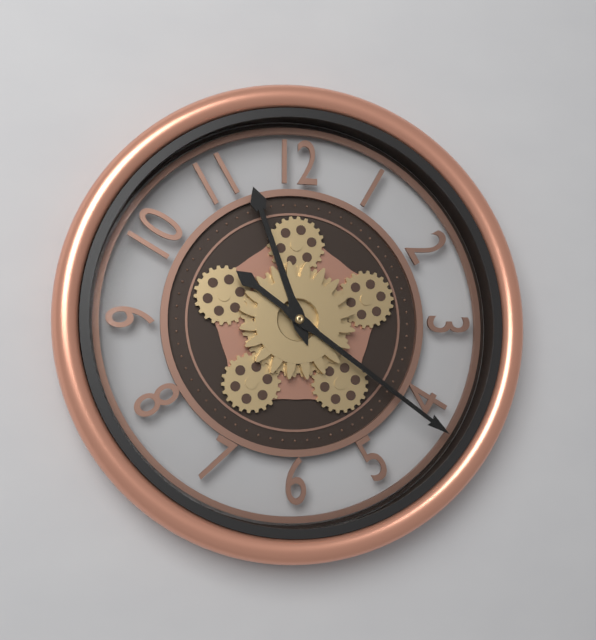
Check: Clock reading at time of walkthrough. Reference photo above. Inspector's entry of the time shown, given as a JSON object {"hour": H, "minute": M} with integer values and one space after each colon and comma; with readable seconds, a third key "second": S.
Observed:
{"hour": 11, "minute": 21}
